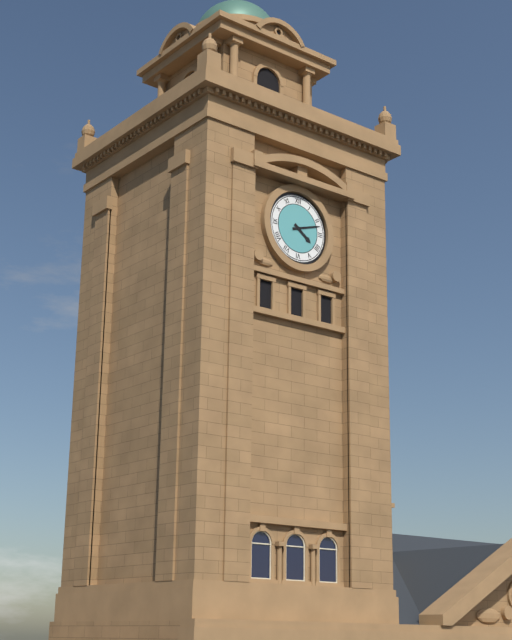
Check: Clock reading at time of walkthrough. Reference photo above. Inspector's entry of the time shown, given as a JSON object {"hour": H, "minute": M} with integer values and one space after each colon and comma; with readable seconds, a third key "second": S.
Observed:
{"hour": 4, "minute": 12}
